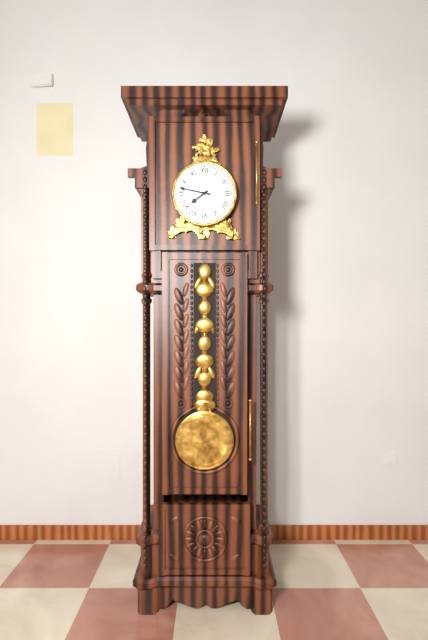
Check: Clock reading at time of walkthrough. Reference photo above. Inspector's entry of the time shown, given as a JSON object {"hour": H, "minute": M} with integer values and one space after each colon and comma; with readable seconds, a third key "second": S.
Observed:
{"hour": 7, "minute": 47}
